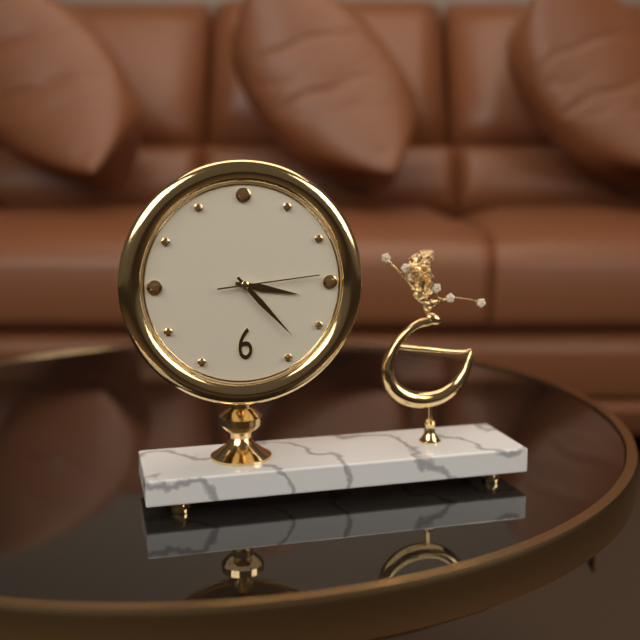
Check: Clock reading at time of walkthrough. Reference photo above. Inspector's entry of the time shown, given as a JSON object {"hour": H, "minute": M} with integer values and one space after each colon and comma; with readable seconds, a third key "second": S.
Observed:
{"hour": 3, "minute": 23, "second": 14}
